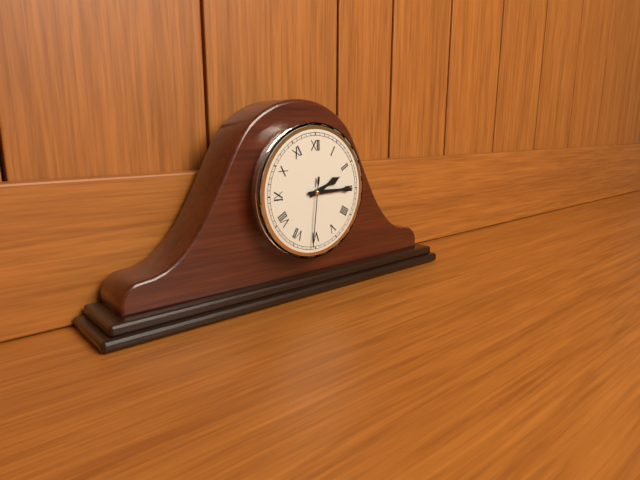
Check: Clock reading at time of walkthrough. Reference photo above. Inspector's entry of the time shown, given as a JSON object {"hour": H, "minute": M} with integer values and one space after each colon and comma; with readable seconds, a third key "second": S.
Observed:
{"hour": 2, "minute": 15, "second": 31}
